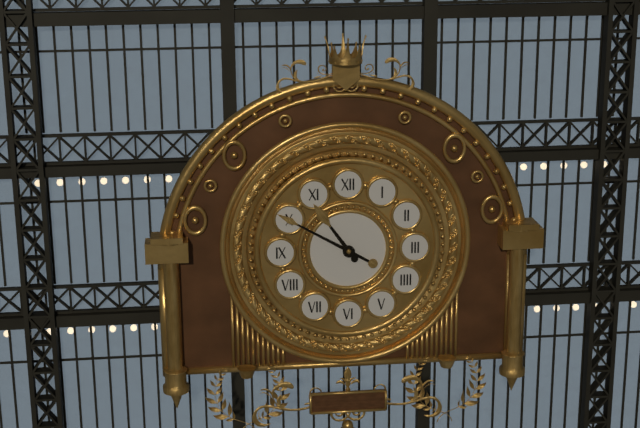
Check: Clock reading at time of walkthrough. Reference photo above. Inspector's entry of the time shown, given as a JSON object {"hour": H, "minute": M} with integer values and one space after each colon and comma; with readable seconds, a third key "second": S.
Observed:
{"hour": 10, "minute": 50}
